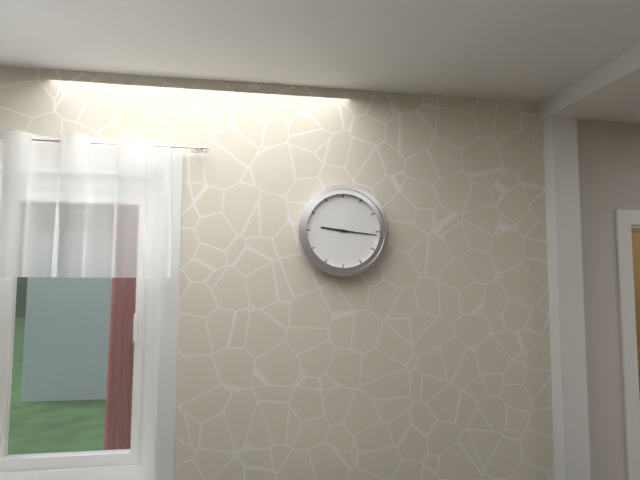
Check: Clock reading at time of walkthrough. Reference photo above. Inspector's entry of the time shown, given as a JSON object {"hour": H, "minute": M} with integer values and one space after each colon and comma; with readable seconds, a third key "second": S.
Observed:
{"hour": 9, "minute": 16}
